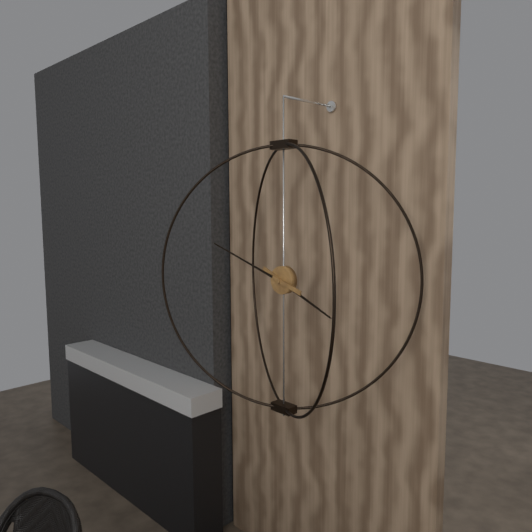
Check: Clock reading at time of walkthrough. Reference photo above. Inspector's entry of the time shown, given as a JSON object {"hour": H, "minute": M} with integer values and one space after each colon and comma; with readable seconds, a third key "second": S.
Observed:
{"hour": 3, "minute": 48}
